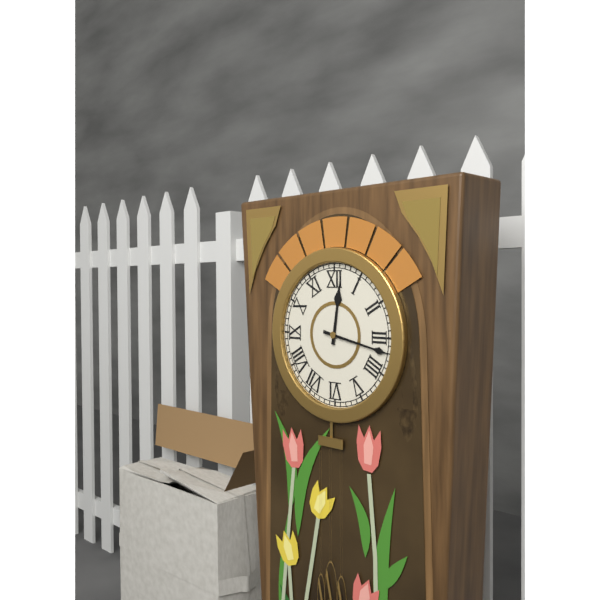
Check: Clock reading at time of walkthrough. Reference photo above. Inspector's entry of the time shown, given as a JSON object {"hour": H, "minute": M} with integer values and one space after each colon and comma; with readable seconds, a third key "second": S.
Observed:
{"hour": 12, "minute": 17}
